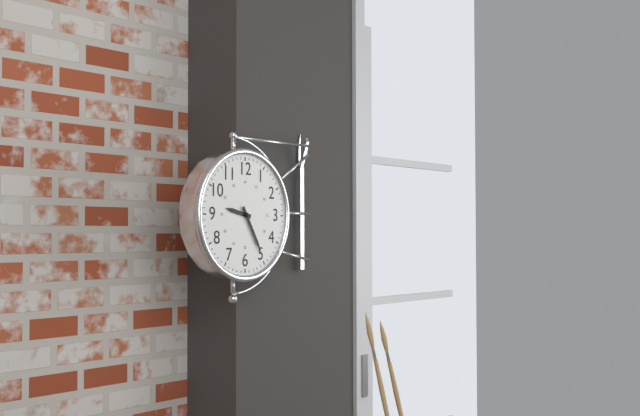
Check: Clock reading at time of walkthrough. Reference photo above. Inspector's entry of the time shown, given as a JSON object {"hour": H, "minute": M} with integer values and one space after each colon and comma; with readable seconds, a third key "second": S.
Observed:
{"hour": 9, "minute": 25}
